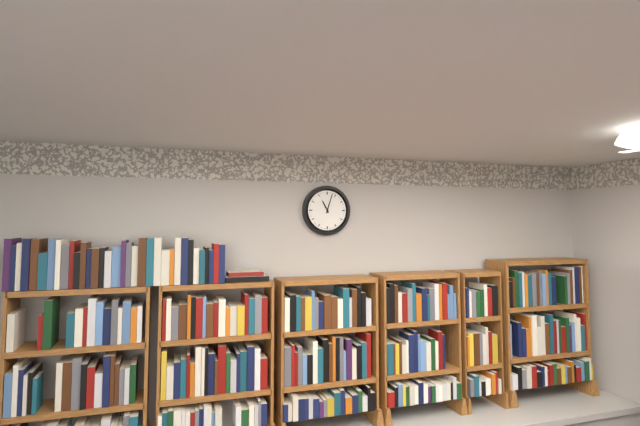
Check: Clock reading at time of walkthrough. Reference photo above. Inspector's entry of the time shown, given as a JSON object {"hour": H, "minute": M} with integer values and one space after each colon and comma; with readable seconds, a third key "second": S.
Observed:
{"hour": 11, "minute": 3}
